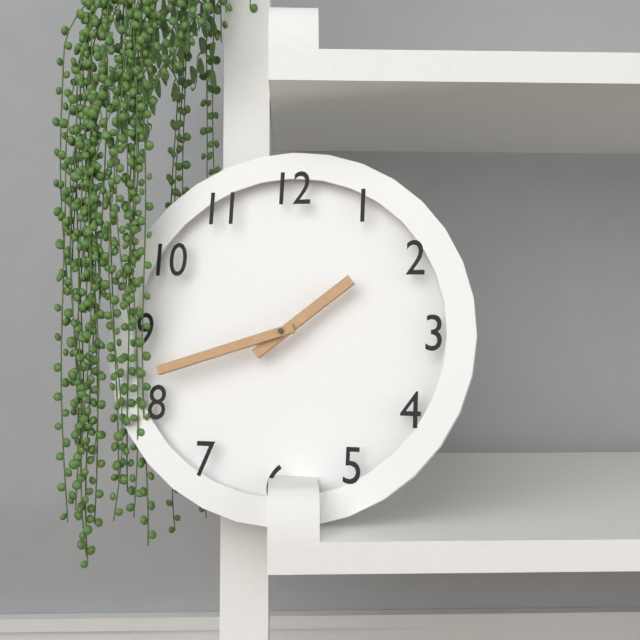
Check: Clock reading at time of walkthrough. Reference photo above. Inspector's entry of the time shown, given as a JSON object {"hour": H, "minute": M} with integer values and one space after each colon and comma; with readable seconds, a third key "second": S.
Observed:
{"hour": 1, "minute": 42}
